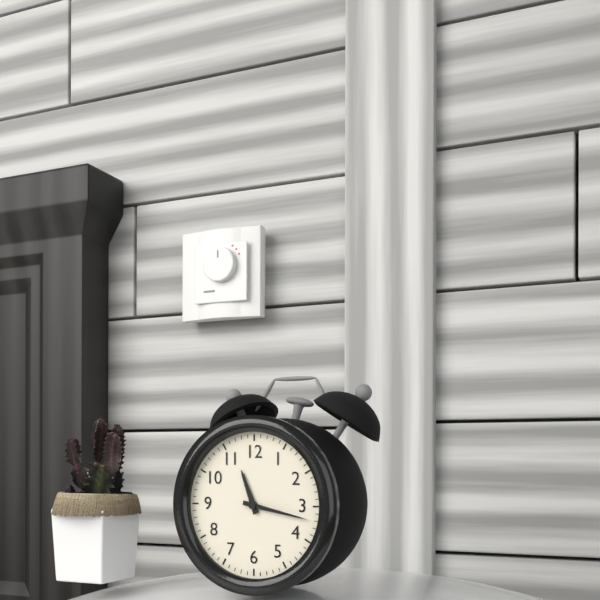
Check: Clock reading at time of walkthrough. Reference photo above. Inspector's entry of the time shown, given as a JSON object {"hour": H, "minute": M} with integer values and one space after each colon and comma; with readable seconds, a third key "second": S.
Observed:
{"hour": 11, "minute": 17}
